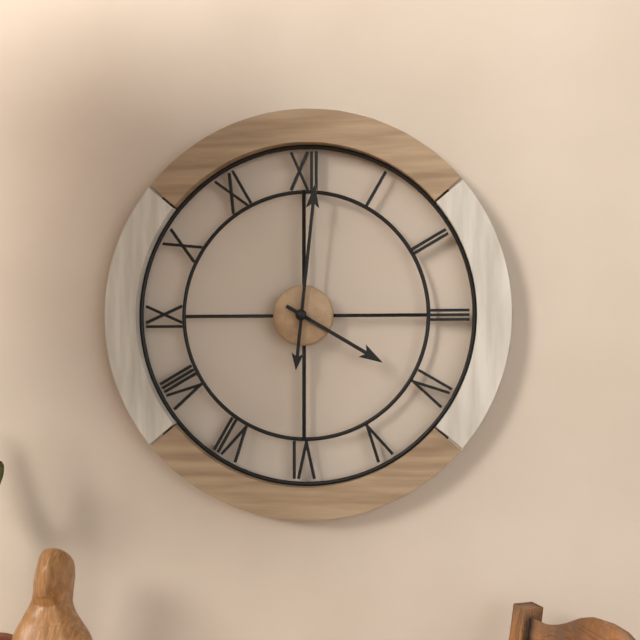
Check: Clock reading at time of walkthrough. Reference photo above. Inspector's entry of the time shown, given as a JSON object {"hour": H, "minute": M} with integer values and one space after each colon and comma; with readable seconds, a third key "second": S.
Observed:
{"hour": 4, "minute": 1}
